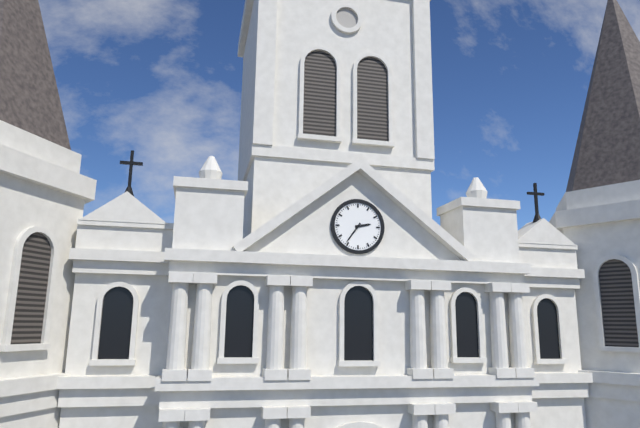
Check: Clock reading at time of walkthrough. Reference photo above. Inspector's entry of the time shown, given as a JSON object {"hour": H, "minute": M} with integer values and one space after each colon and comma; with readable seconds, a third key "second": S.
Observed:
{"hour": 2, "minute": 36}
